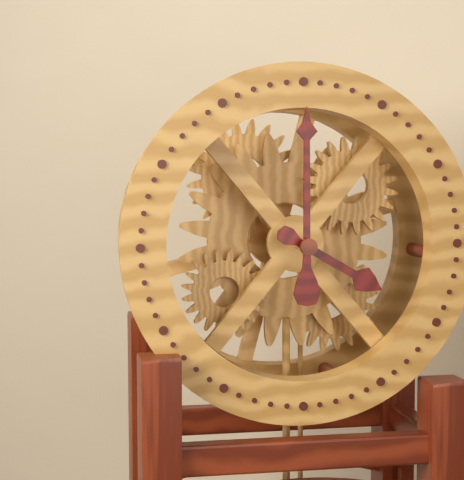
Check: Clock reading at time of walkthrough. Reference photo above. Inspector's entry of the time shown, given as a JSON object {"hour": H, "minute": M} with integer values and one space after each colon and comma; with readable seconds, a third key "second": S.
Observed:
{"hour": 4, "minute": 0}
